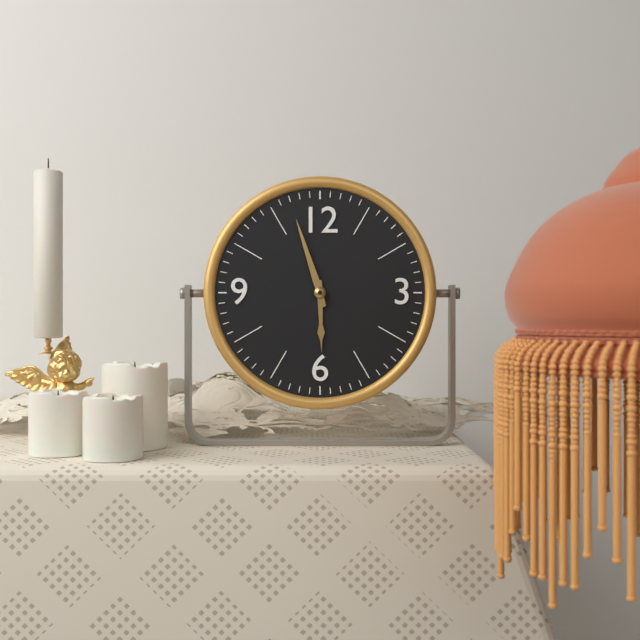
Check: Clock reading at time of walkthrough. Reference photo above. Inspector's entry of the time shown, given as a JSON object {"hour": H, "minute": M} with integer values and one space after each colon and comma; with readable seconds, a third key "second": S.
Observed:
{"hour": 5, "minute": 57}
